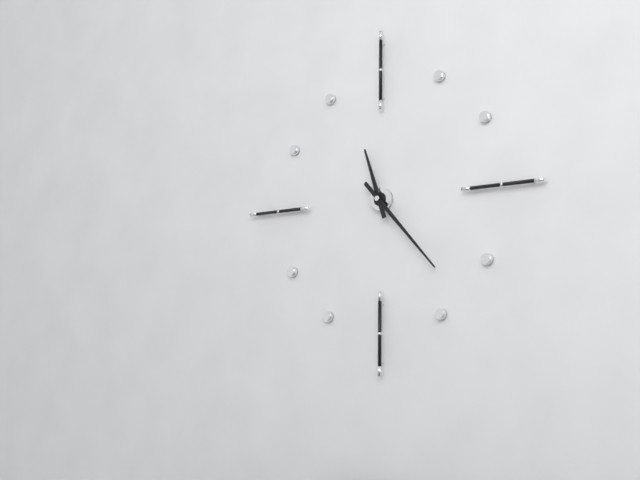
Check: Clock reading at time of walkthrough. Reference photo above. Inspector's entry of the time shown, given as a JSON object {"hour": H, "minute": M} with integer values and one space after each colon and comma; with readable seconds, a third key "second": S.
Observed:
{"hour": 11, "minute": 23}
